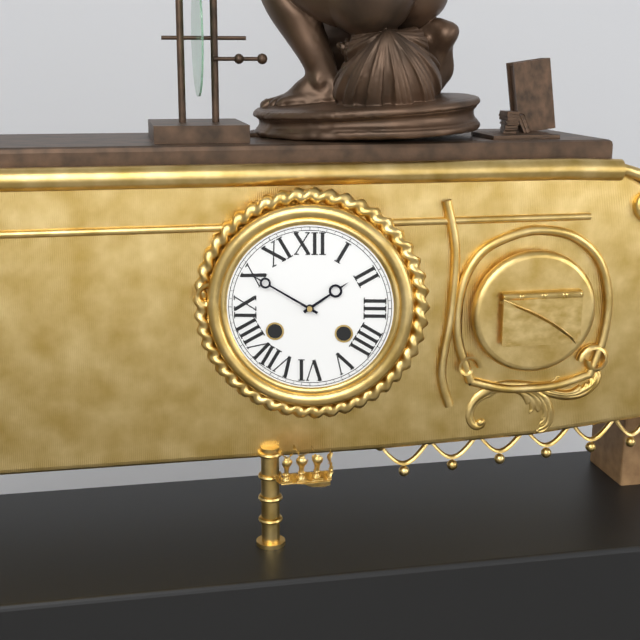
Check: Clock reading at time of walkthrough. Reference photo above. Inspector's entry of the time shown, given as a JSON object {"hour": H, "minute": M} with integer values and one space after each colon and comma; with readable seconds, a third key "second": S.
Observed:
{"hour": 1, "minute": 50}
